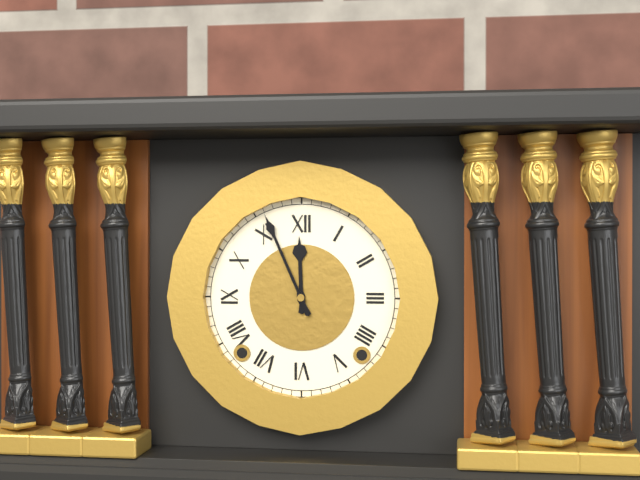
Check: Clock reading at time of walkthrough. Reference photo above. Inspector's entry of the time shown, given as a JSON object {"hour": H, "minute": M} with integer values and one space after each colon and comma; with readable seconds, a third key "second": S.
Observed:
{"hour": 11, "minute": 56}
